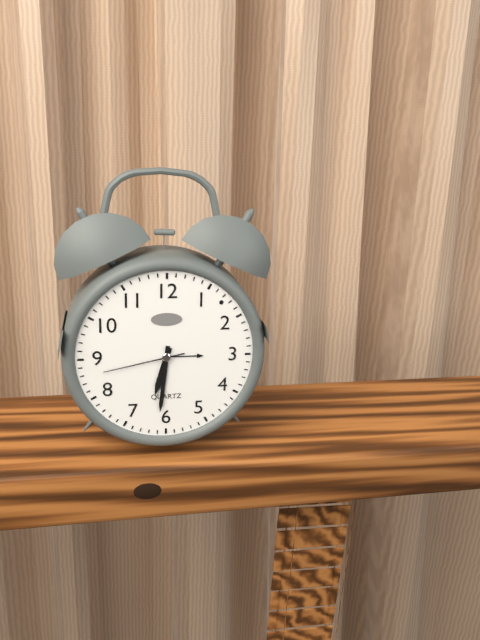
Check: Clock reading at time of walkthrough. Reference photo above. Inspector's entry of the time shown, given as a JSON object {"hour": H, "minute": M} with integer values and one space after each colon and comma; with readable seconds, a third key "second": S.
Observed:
{"hour": 6, "minute": 31, "second": 43}
